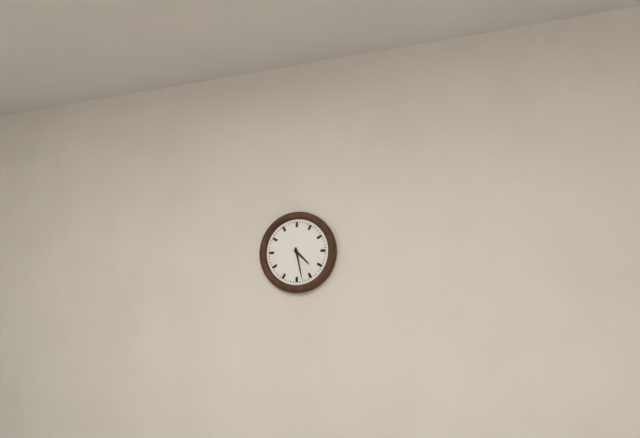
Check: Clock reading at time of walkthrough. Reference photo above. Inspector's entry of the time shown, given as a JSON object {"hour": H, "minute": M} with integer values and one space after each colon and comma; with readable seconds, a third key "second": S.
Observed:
{"hour": 4, "minute": 28}
